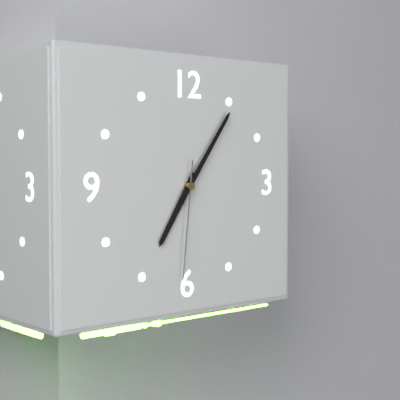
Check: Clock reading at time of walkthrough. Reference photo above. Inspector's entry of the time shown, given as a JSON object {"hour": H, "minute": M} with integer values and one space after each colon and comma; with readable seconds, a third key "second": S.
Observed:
{"hour": 7, "minute": 6, "second": 31}
